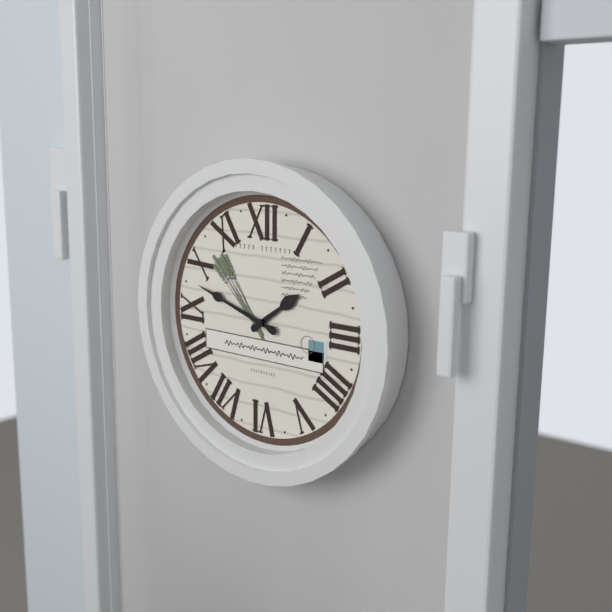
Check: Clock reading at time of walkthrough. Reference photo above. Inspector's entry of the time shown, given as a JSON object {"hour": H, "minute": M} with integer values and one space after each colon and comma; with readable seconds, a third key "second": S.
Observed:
{"hour": 1, "minute": 48}
